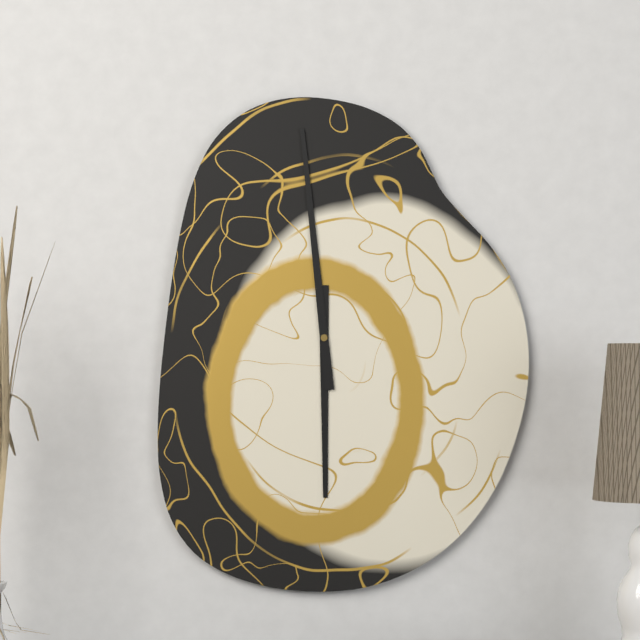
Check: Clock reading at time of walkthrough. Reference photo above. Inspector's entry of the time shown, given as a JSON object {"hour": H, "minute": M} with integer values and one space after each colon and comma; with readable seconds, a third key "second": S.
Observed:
{"hour": 5, "minute": 59}
